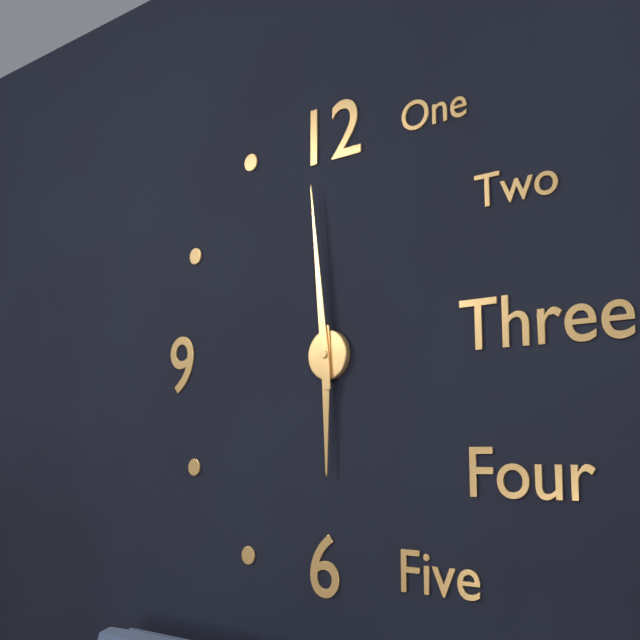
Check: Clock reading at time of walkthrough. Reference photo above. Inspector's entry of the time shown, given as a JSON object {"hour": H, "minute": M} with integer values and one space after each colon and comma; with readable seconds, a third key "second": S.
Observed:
{"hour": 5, "minute": 59}
